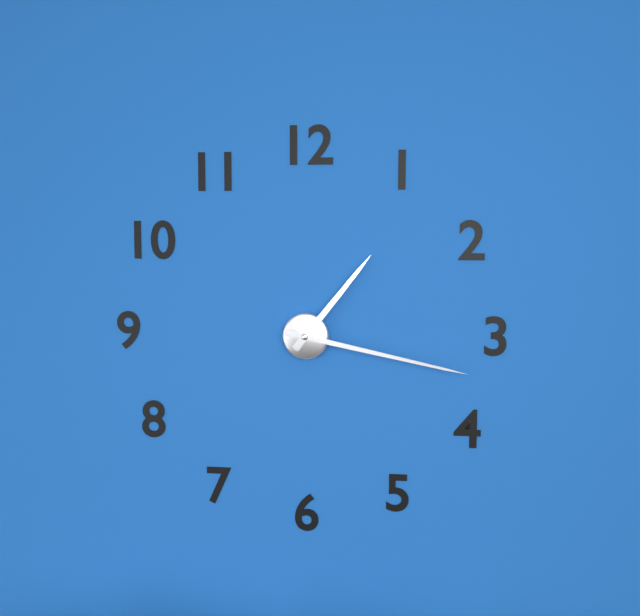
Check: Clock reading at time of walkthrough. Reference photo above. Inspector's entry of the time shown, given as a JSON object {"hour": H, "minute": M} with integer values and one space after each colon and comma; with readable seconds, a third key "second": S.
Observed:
{"hour": 1, "minute": 17}
